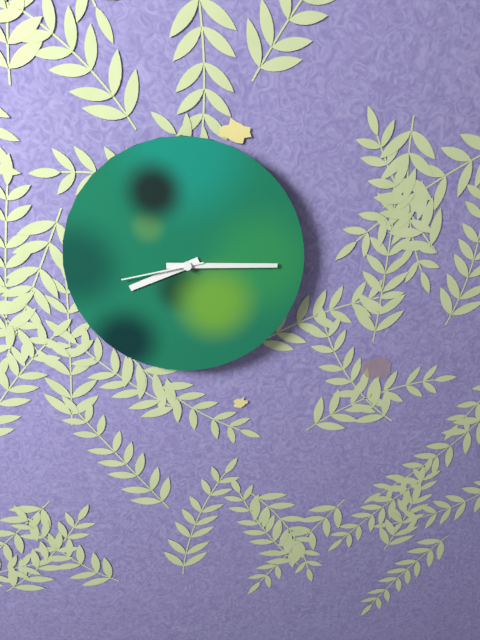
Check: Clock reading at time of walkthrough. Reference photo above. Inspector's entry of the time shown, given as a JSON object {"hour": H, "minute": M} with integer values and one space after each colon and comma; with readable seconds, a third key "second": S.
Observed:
{"hour": 8, "minute": 15, "second": 43}
